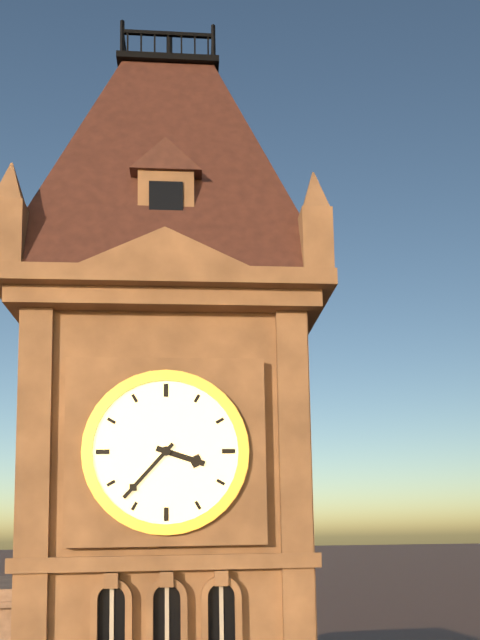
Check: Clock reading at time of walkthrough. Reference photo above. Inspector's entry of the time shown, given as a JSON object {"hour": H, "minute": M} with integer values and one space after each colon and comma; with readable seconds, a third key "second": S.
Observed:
{"hour": 3, "minute": 37}
